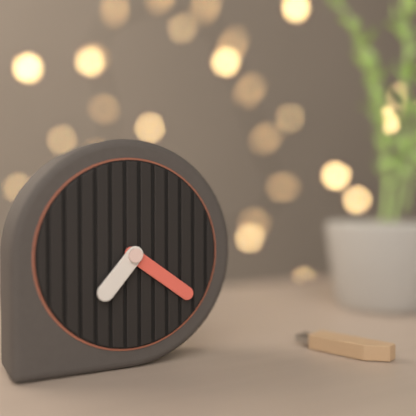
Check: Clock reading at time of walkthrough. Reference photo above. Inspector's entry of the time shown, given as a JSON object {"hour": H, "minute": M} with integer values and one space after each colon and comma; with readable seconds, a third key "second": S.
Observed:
{"hour": 7, "minute": 21}
